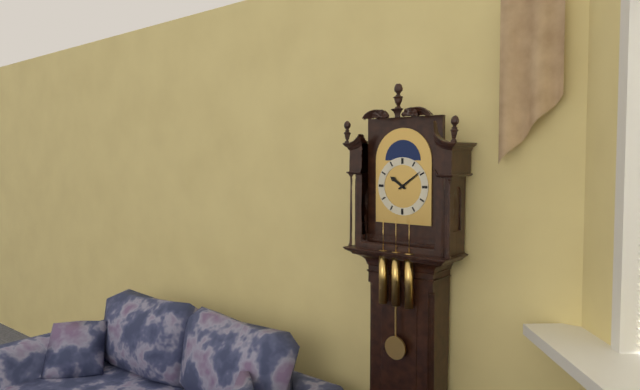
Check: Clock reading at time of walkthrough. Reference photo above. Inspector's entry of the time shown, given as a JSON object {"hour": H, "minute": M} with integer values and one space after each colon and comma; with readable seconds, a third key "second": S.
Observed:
{"hour": 10, "minute": 9}
